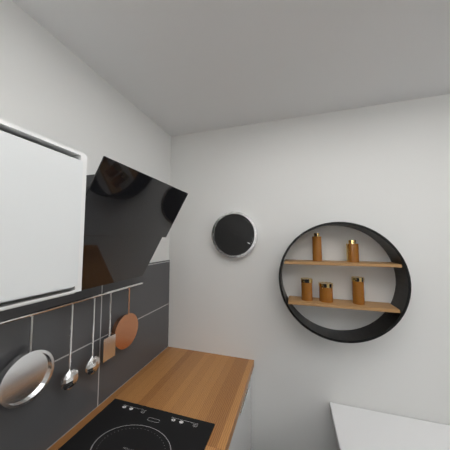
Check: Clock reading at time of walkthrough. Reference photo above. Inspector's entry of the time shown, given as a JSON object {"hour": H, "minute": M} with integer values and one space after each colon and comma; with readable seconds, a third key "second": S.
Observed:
{"hour": 10, "minute": 17}
